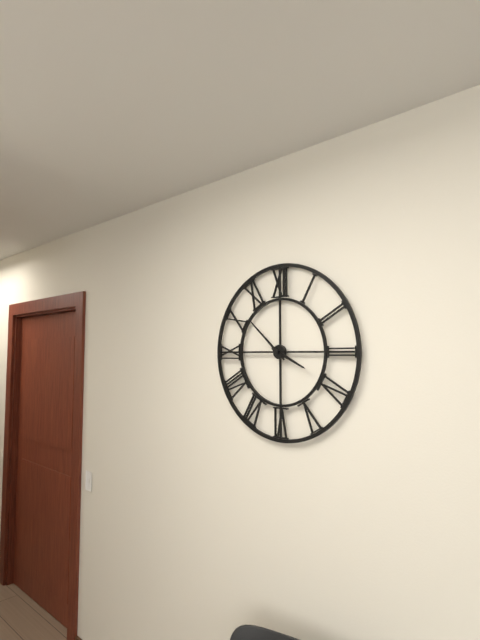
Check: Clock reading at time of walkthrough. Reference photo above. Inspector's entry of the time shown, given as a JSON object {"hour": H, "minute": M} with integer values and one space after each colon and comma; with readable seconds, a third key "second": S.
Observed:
{"hour": 3, "minute": 52}
